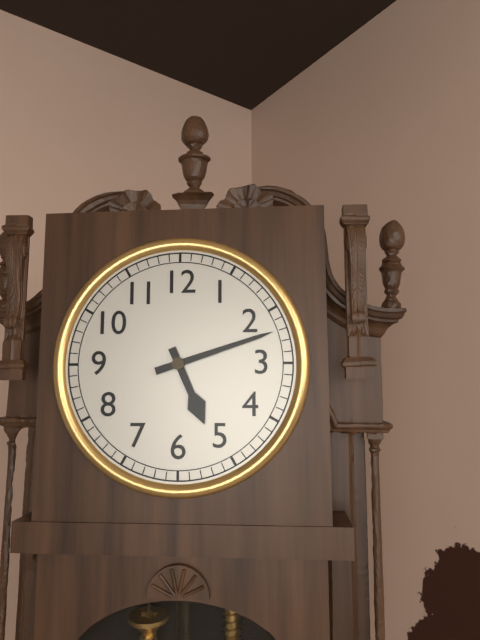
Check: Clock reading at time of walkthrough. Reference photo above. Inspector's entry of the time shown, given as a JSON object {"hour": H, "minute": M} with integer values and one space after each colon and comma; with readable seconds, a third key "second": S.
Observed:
{"hour": 5, "minute": 12}
